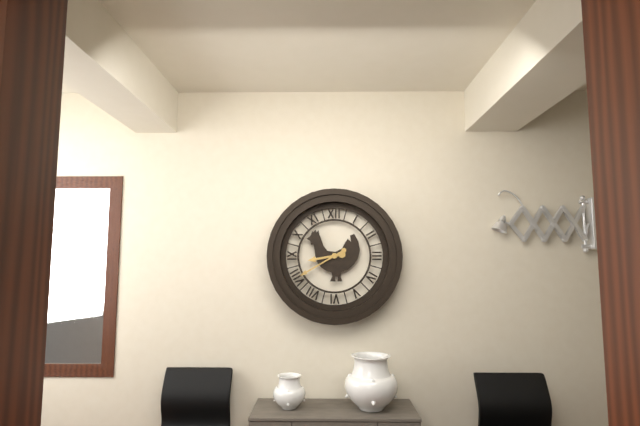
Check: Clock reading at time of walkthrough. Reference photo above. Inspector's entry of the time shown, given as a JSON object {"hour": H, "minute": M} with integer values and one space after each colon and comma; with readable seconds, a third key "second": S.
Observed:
{"hour": 8, "minute": 40}
